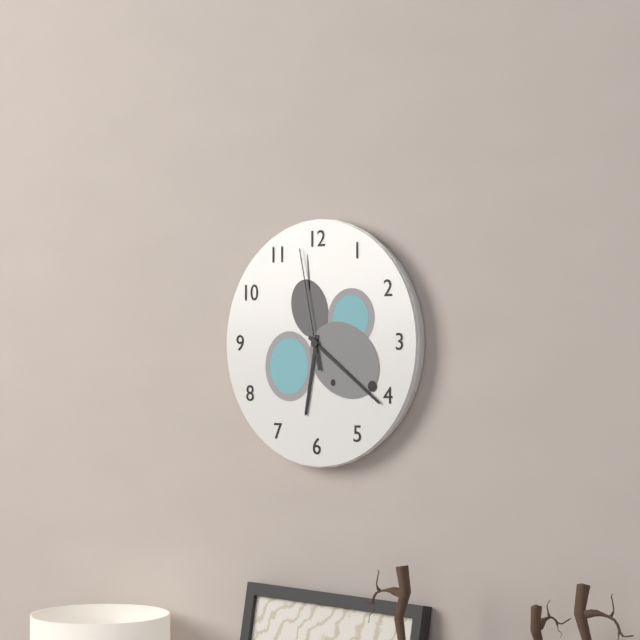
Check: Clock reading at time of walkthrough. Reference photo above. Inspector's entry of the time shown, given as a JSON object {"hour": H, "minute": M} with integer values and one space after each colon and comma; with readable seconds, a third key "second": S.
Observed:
{"hour": 6, "minute": 21, "second": 58}
